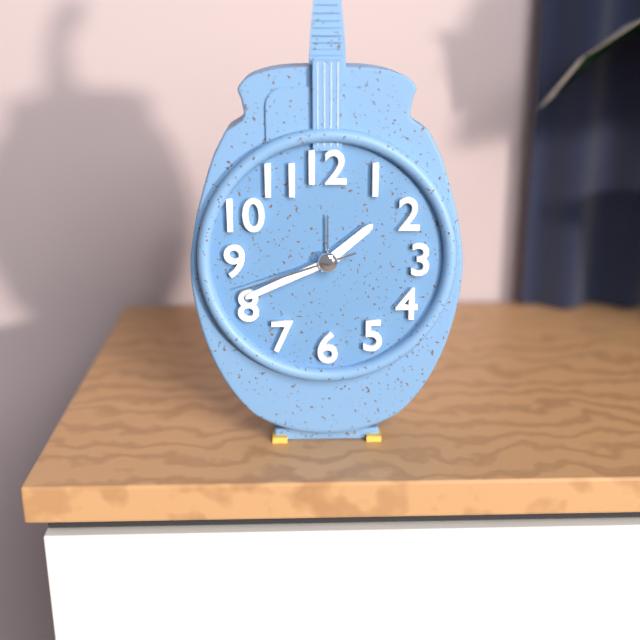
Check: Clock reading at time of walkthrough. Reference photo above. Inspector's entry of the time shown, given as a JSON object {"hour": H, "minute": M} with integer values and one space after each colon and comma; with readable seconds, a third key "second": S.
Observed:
{"hour": 1, "minute": 41, "second": 42}
